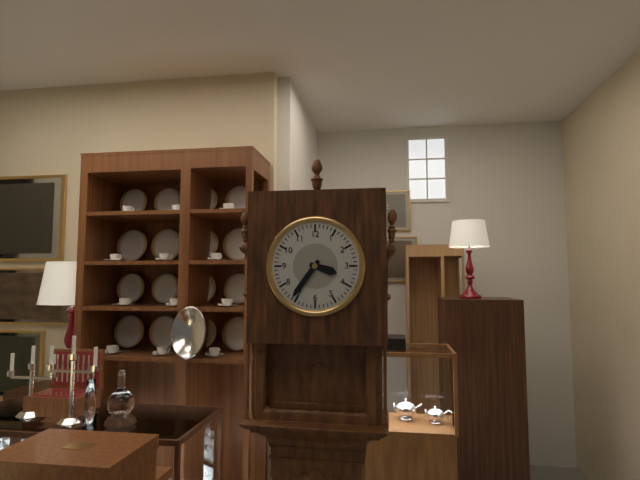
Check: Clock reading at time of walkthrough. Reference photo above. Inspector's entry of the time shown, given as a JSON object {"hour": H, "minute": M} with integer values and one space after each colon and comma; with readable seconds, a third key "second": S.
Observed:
{"hour": 3, "minute": 36}
